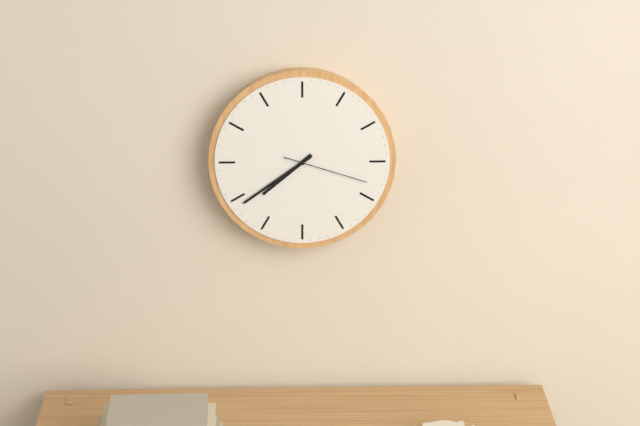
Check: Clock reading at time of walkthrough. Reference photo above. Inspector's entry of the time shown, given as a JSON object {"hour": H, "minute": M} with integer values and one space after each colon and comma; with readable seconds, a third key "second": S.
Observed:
{"hour": 7, "minute": 39, "second": 18}
